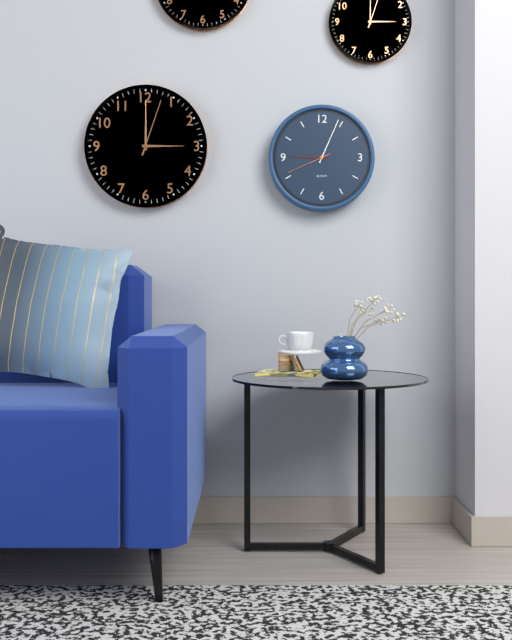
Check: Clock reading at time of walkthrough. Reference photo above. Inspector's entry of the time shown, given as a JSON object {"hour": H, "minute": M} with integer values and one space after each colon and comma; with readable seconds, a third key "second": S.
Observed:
{"hour": 9, "minute": 4}
